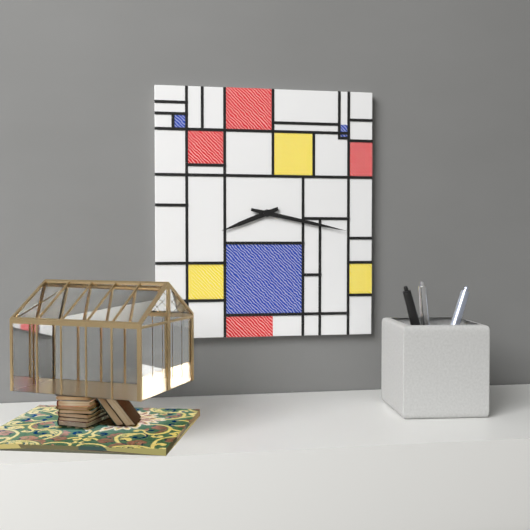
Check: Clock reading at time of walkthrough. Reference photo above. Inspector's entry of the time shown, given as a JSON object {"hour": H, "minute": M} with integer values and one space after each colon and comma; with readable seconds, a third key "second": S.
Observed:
{"hour": 8, "minute": 17}
